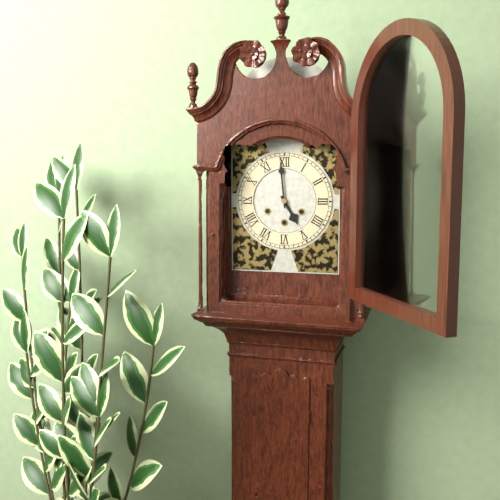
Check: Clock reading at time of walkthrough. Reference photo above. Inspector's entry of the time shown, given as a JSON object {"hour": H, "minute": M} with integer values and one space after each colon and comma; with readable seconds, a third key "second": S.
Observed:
{"hour": 4, "minute": 59}
